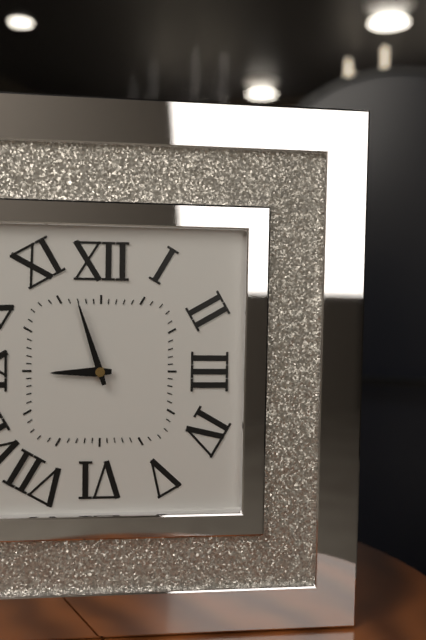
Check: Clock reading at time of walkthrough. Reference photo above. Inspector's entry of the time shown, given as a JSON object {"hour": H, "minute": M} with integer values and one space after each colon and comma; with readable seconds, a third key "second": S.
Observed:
{"hour": 8, "minute": 57}
